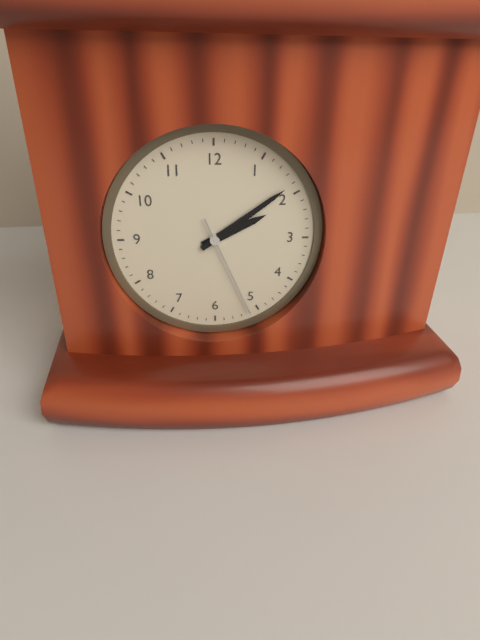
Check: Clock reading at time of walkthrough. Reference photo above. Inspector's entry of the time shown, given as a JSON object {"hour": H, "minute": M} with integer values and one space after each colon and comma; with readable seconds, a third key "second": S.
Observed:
{"hour": 2, "minute": 9, "second": 26}
